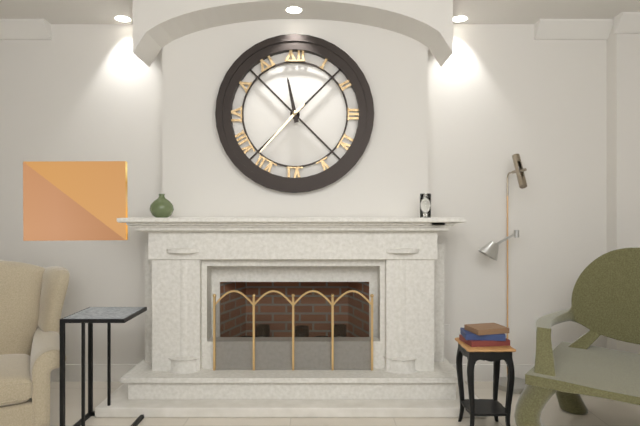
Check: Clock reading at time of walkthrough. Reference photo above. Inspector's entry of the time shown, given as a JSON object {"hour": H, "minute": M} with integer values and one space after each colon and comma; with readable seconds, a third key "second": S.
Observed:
{"hour": 11, "minute": 37}
